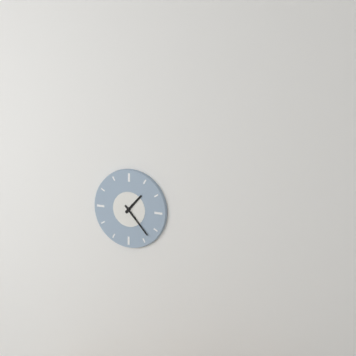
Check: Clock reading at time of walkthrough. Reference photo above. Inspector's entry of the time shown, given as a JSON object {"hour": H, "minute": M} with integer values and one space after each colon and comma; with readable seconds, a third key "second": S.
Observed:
{"hour": 1, "minute": 23}
